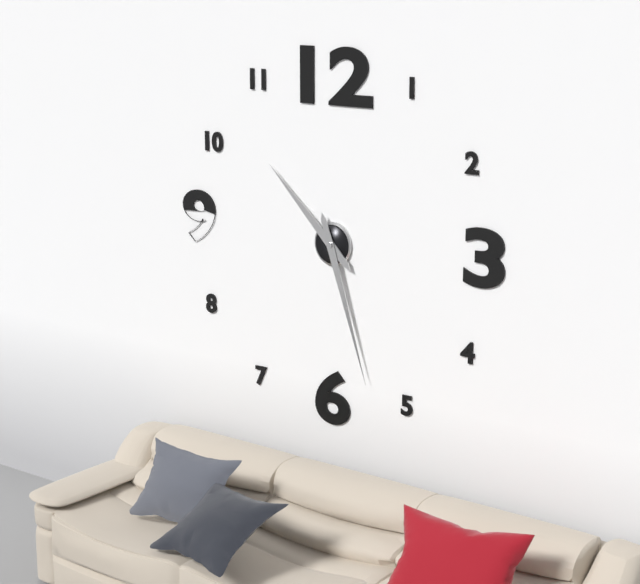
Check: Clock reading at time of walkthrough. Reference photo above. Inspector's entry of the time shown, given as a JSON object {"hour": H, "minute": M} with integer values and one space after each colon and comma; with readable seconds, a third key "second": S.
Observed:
{"hour": 10, "minute": 27}
